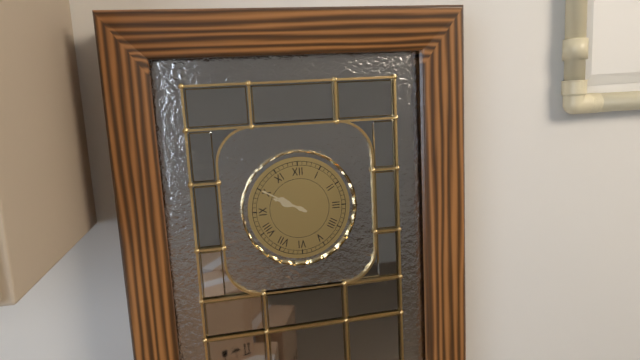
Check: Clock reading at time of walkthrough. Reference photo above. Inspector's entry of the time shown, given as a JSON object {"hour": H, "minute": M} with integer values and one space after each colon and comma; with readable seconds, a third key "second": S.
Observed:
{"hour": 9, "minute": 50}
